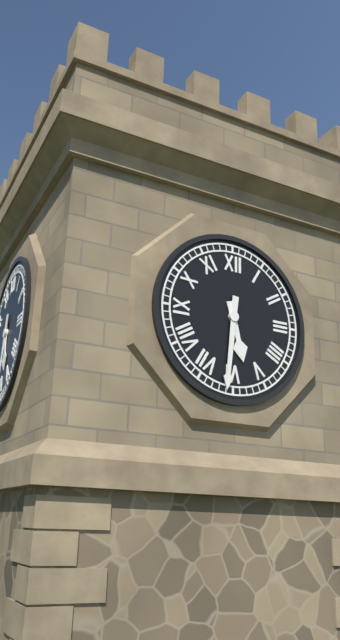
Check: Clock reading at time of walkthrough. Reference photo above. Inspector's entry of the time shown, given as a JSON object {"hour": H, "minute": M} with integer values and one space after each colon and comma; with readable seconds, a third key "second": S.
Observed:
{"hour": 5, "minute": 31}
